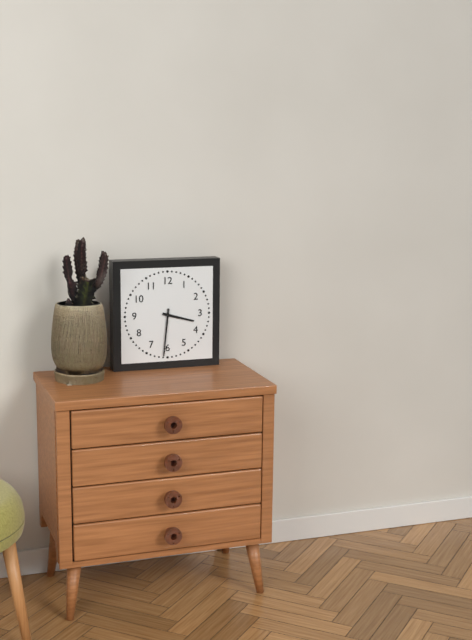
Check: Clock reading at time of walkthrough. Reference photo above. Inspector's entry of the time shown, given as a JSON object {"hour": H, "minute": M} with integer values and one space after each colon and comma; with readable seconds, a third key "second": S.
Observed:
{"hour": 3, "minute": 31}
